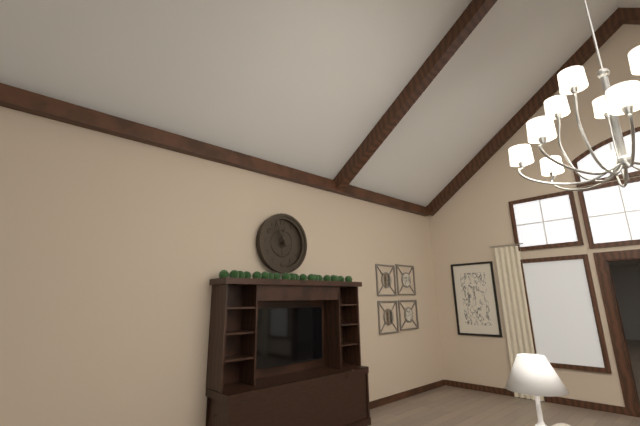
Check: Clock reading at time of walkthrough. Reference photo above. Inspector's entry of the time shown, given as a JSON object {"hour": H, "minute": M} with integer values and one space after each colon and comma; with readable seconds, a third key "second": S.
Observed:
{"hour": 11, "minute": 55}
